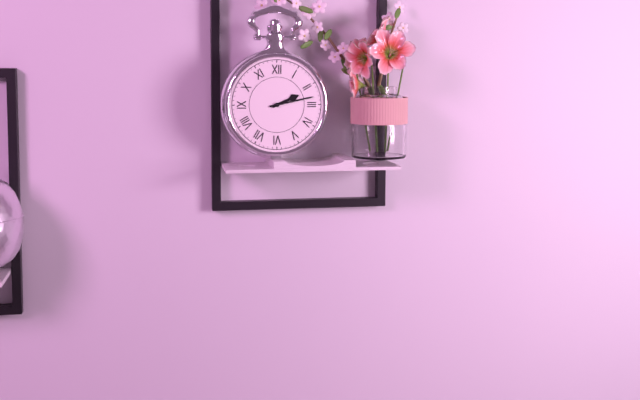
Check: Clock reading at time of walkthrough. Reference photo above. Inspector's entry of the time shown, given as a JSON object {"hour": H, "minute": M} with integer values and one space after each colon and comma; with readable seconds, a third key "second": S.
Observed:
{"hour": 2, "minute": 13}
